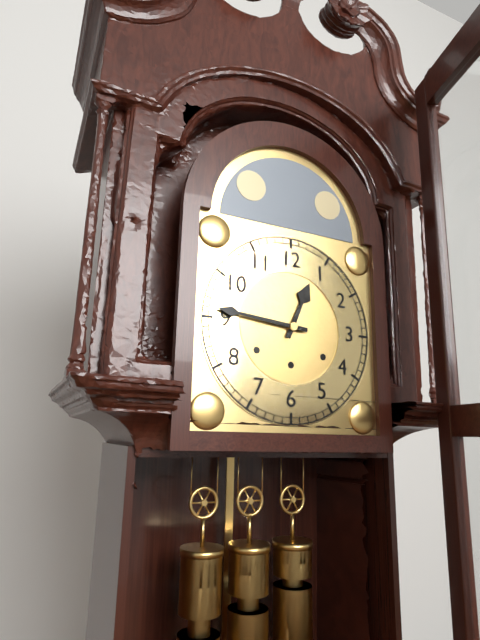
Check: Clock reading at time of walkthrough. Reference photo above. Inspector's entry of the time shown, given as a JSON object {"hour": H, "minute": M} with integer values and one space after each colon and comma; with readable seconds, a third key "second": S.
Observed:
{"hour": 12, "minute": 46}
